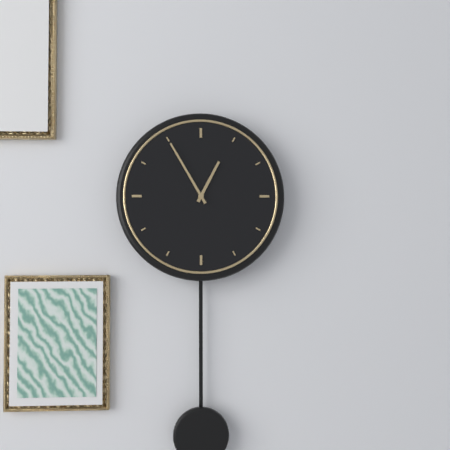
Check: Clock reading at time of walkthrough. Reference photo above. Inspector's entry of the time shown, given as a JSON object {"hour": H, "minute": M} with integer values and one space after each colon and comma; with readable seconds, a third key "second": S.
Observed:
{"hour": 12, "minute": 55}
